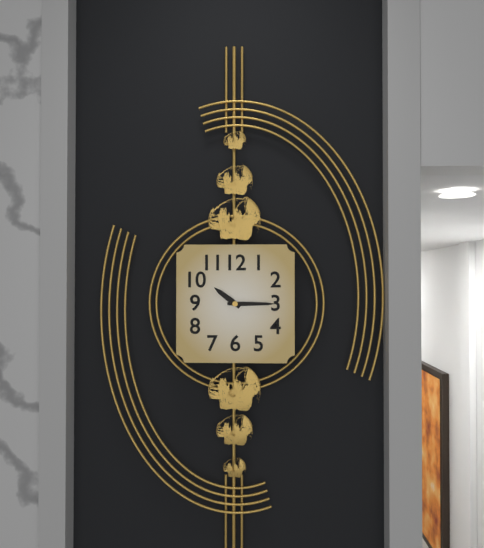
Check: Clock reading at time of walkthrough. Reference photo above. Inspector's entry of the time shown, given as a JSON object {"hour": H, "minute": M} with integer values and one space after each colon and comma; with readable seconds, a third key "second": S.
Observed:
{"hour": 10, "minute": 15}
